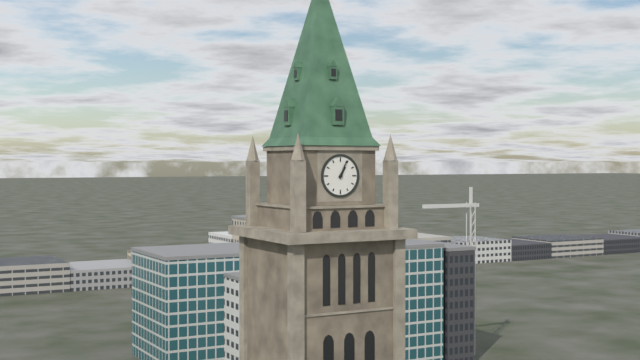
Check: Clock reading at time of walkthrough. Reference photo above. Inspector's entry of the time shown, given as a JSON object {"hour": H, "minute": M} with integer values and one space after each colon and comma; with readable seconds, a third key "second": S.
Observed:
{"hour": 1, "minute": 4}
